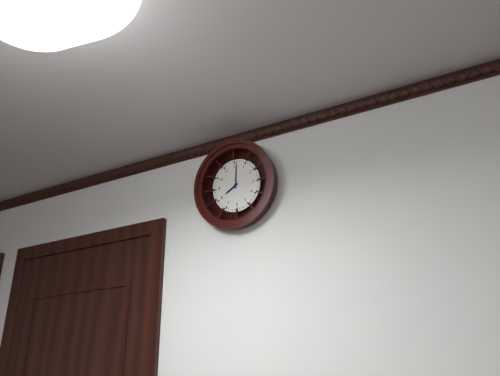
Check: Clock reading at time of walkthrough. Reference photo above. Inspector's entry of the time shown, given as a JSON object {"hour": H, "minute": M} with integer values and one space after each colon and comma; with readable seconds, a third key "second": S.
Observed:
{"hour": 8, "minute": 1}
